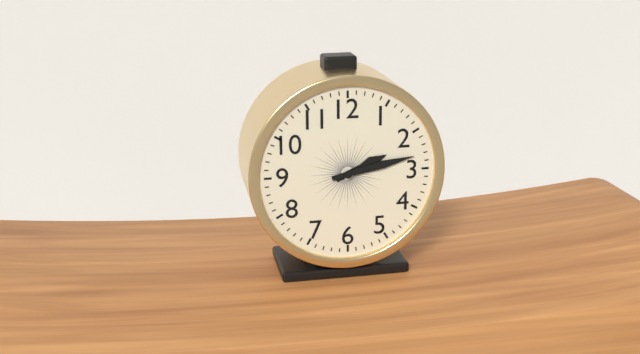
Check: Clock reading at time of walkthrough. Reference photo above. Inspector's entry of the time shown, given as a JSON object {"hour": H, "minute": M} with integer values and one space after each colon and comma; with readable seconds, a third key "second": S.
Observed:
{"hour": 2, "minute": 13}
